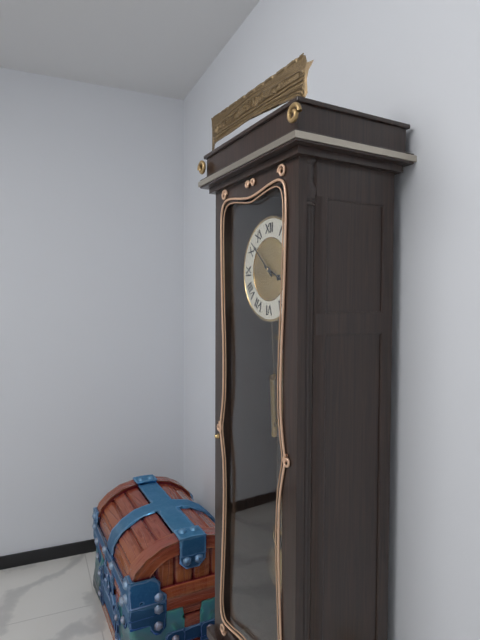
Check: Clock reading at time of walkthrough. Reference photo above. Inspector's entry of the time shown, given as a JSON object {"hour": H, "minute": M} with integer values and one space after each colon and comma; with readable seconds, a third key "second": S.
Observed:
{"hour": 3, "minute": 52}
